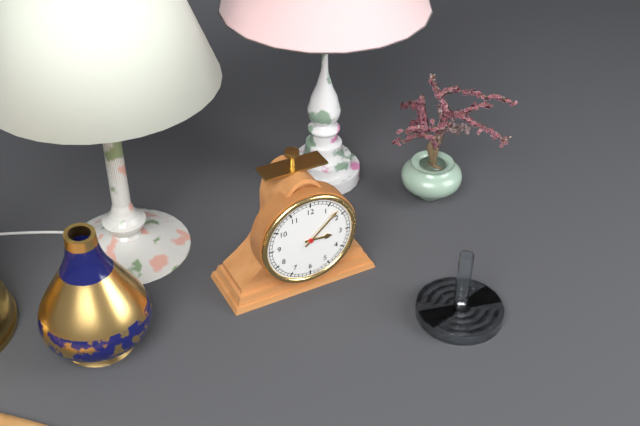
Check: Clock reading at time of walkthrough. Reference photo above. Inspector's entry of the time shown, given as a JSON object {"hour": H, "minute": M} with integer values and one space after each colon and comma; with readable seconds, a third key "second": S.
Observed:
{"hour": 3, "minute": 8}
